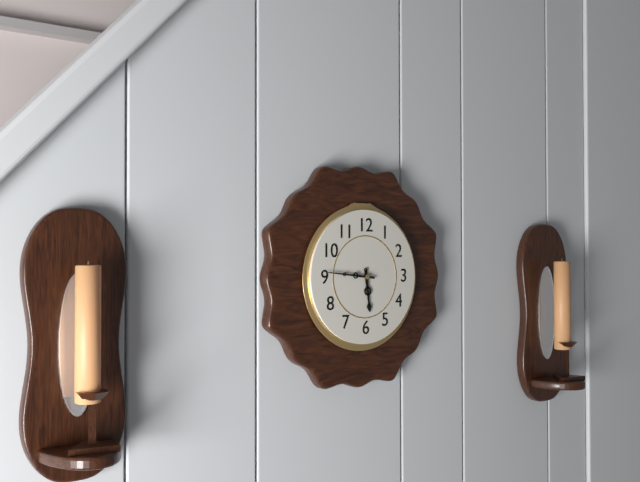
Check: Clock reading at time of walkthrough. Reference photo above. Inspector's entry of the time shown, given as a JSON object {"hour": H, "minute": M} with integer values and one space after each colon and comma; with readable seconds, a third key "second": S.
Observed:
{"hour": 5, "minute": 46}
